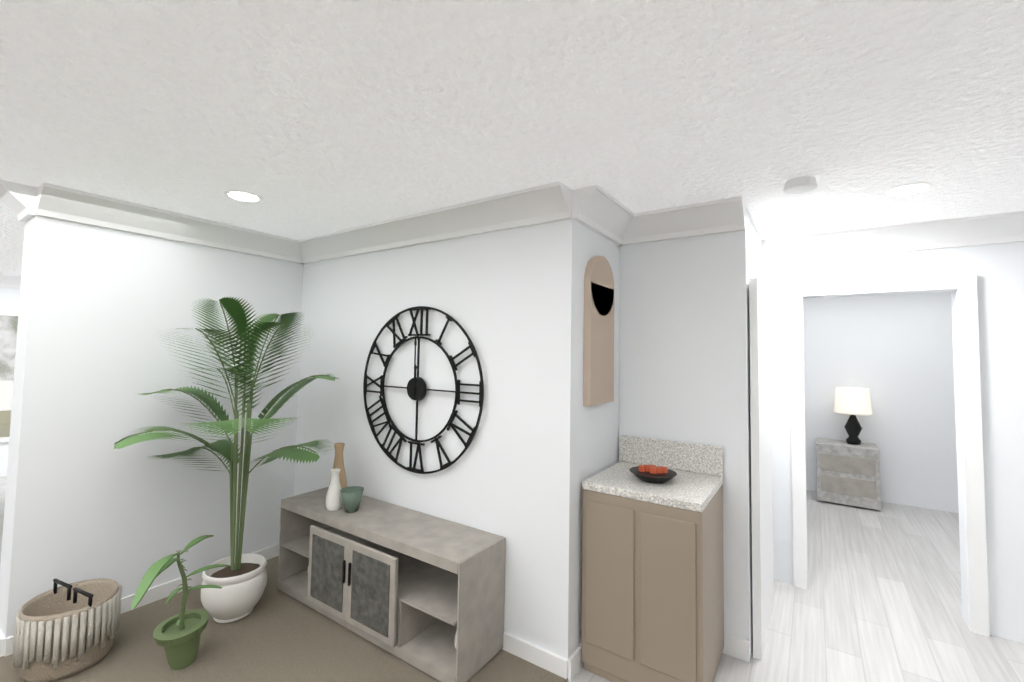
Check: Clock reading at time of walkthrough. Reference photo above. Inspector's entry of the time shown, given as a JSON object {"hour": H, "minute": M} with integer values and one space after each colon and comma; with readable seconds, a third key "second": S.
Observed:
{"hour": 12, "minute": 0}
